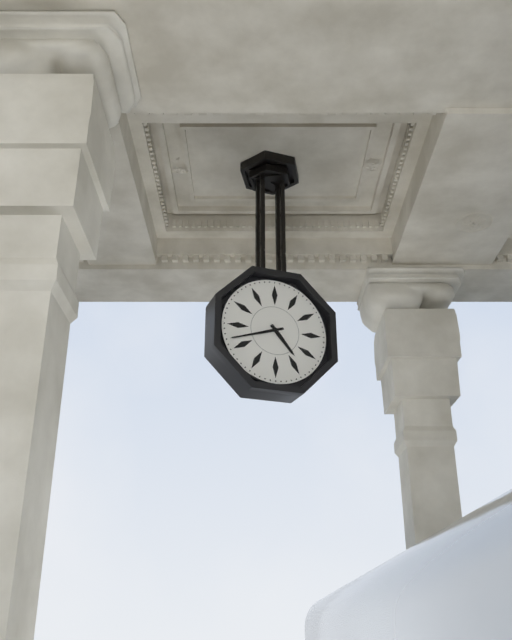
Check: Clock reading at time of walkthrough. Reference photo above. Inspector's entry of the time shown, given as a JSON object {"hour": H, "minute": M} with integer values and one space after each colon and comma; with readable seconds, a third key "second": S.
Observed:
{"hour": 4, "minute": 42}
